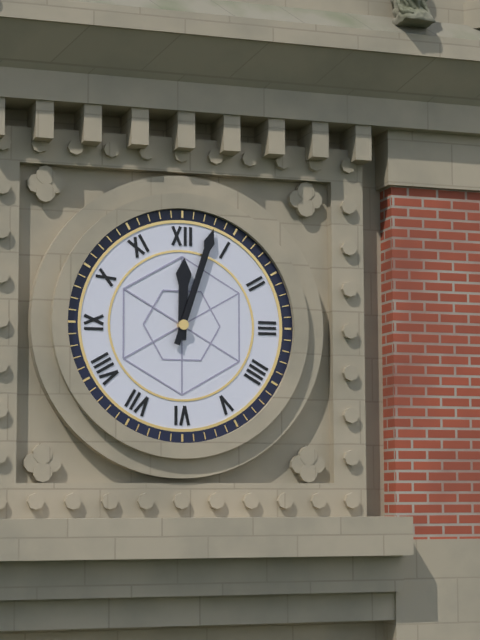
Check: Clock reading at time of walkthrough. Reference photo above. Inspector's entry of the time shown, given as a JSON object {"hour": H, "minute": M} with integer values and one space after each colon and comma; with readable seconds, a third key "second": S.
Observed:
{"hour": 12, "minute": 3}
